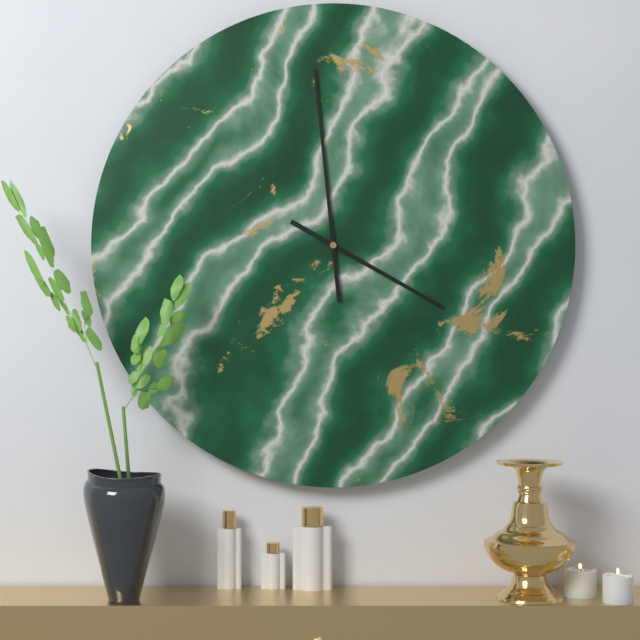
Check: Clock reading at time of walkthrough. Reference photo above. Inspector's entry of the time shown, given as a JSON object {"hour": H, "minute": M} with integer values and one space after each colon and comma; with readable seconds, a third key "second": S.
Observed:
{"hour": 3, "minute": 59}
